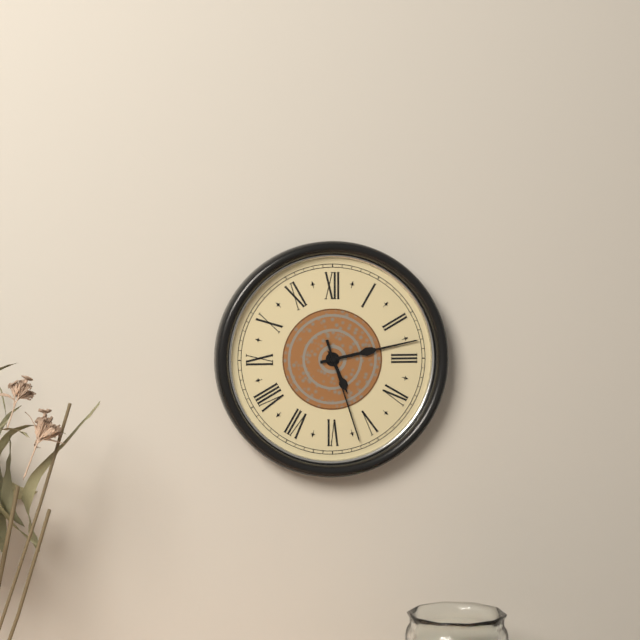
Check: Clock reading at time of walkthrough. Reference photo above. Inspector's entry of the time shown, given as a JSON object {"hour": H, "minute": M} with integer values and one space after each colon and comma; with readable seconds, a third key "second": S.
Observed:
{"hour": 5, "minute": 13, "second": 27}
